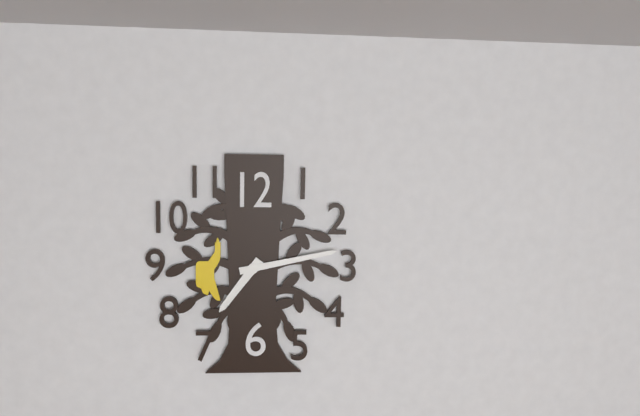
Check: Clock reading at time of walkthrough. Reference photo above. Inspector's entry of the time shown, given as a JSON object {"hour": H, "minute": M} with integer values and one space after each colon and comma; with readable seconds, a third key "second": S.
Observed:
{"hour": 7, "minute": 13}
